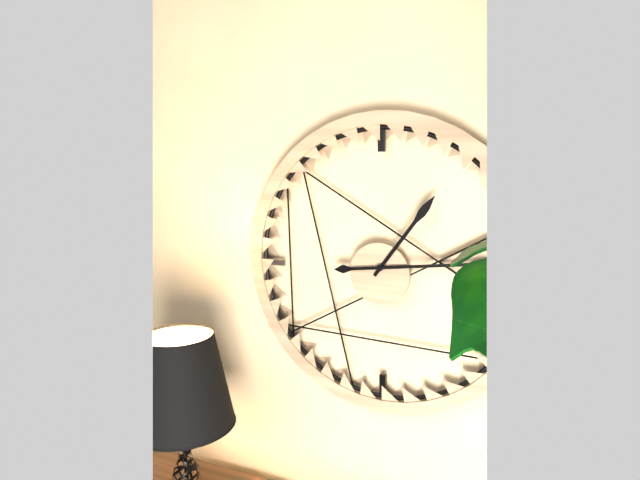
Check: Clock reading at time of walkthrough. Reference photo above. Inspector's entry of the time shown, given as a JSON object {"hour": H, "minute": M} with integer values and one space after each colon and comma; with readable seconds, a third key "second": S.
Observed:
{"hour": 1, "minute": 14}
